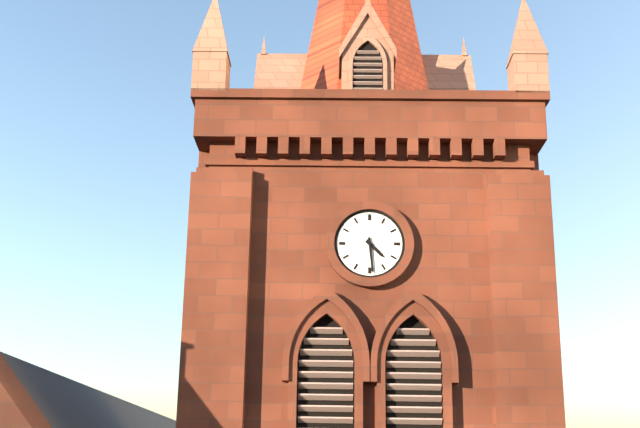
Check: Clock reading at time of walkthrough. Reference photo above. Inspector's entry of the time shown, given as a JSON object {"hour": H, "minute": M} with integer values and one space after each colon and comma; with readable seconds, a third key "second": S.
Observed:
{"hour": 4, "minute": 29}
